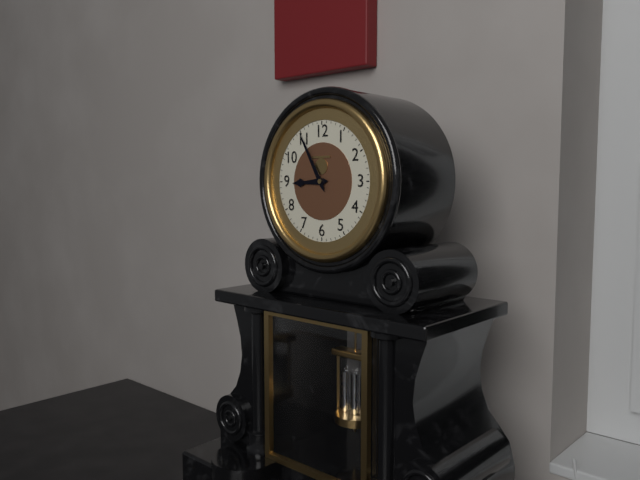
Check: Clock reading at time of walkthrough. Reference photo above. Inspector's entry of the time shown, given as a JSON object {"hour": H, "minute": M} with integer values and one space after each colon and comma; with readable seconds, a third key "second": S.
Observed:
{"hour": 8, "minute": 55}
